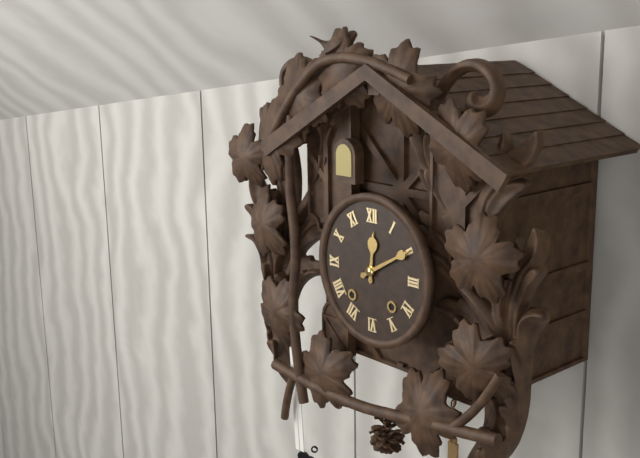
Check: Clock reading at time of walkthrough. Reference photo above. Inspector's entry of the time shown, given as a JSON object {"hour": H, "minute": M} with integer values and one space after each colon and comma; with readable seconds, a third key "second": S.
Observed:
{"hour": 12, "minute": 10}
